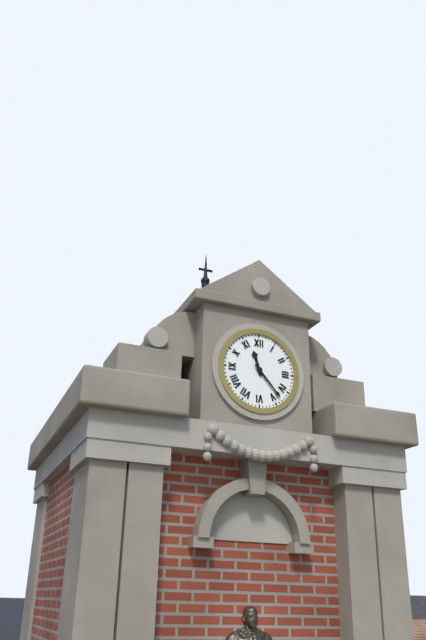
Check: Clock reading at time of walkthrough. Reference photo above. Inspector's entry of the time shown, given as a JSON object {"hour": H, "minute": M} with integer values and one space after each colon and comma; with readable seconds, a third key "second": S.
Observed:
{"hour": 11, "minute": 23}
